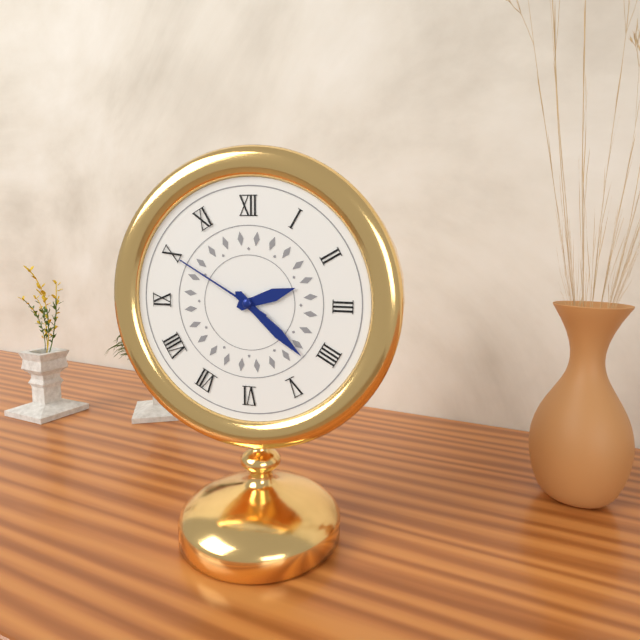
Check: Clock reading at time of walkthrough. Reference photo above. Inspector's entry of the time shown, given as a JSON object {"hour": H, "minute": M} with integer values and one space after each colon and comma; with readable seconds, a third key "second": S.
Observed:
{"hour": 2, "minute": 22, "second": 50}
